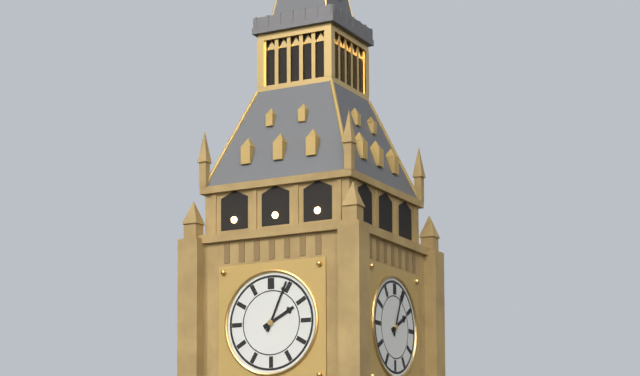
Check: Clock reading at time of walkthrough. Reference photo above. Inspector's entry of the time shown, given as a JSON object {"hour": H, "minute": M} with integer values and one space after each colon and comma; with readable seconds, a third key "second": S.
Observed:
{"hour": 2, "minute": 4}
